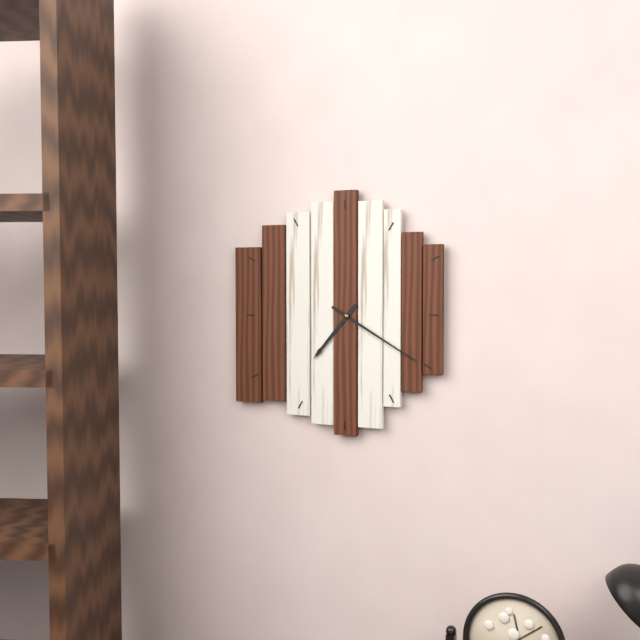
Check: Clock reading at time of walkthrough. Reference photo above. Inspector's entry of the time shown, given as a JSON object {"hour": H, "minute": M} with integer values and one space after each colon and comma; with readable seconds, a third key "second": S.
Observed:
{"hour": 7, "minute": 20}
